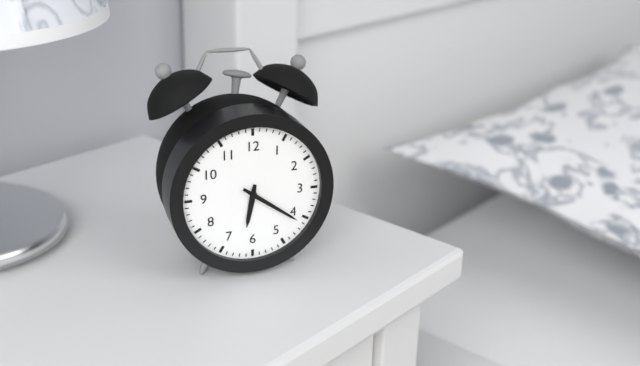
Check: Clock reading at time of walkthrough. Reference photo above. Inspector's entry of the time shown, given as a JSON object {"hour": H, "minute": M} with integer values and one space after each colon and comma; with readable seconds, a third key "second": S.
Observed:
{"hour": 6, "minute": 21}
